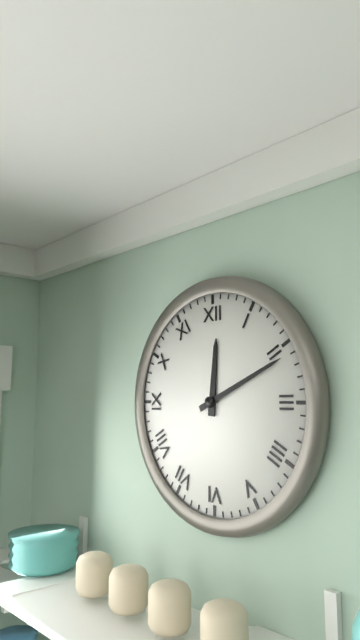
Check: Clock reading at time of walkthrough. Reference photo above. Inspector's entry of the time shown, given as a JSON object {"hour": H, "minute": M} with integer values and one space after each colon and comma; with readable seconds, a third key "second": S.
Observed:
{"hour": 12, "minute": 11}
